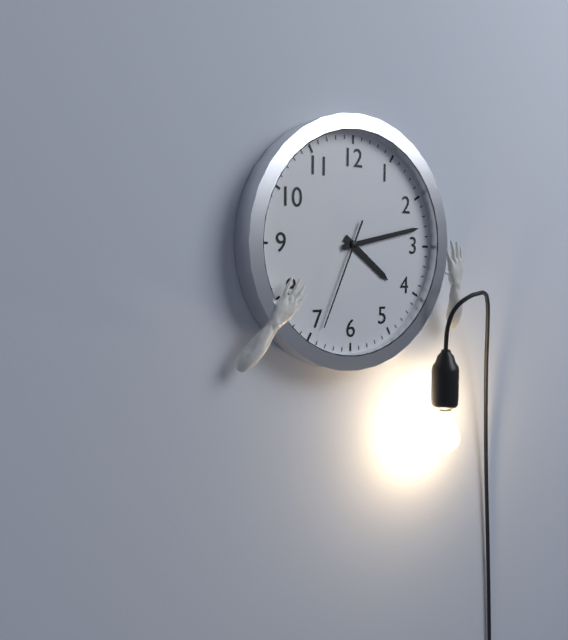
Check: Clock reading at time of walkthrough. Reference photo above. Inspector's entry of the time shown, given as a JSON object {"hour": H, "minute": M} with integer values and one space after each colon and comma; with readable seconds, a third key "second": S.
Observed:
{"hour": 4, "minute": 13, "second": 34}
